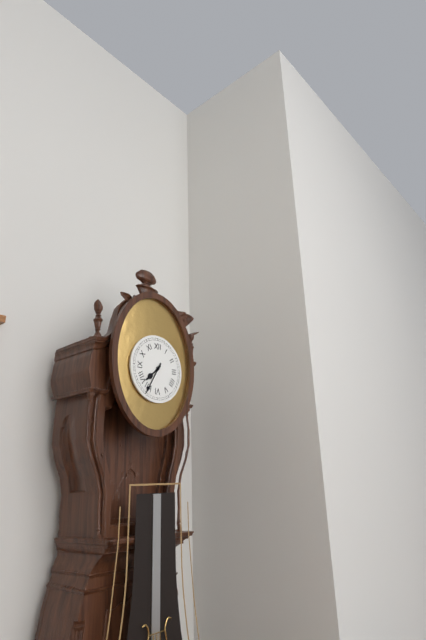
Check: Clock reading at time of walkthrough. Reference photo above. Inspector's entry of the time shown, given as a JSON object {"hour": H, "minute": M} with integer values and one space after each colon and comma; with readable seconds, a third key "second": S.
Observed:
{"hour": 7, "minute": 35}
